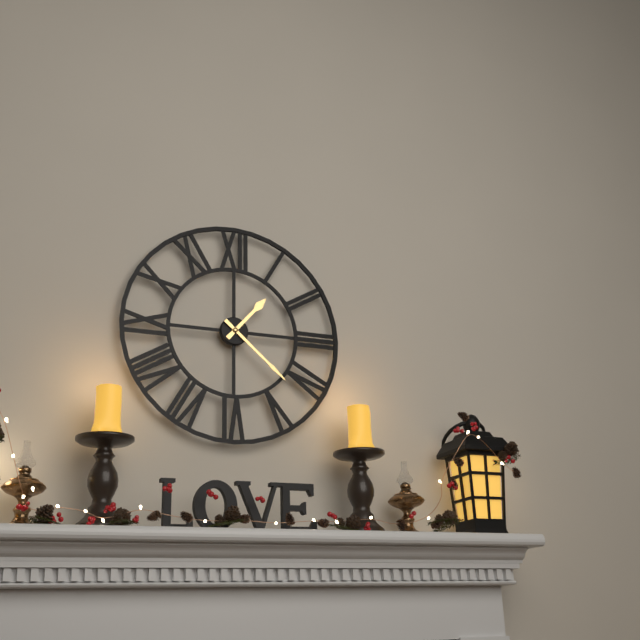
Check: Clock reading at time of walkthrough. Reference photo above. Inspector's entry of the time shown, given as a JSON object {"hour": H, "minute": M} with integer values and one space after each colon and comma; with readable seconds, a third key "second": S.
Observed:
{"hour": 1, "minute": 22}
